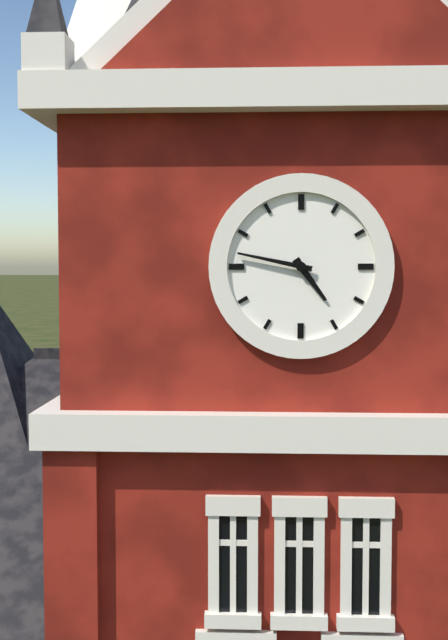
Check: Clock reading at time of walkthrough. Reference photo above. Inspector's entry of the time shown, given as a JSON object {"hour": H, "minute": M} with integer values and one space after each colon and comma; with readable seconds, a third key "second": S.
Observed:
{"hour": 4, "minute": 47}
